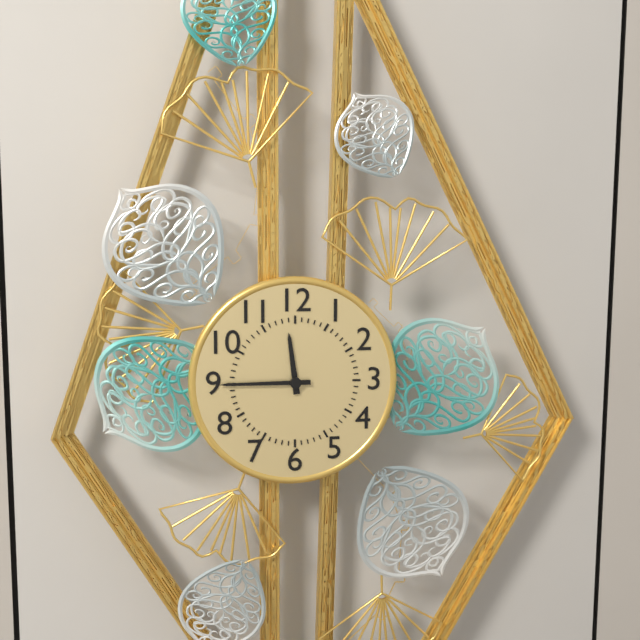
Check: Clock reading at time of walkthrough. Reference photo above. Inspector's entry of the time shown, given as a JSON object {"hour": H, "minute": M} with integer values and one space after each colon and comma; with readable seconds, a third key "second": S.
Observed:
{"hour": 11, "minute": 45}
